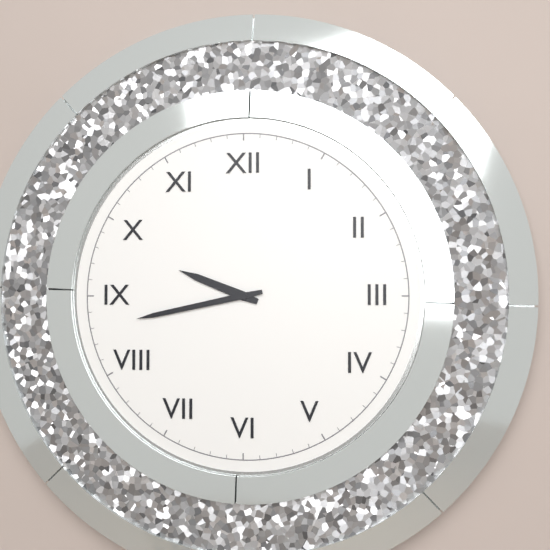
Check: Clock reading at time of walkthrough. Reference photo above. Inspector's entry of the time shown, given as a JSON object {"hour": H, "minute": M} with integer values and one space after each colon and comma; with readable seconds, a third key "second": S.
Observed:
{"hour": 9, "minute": 43}
